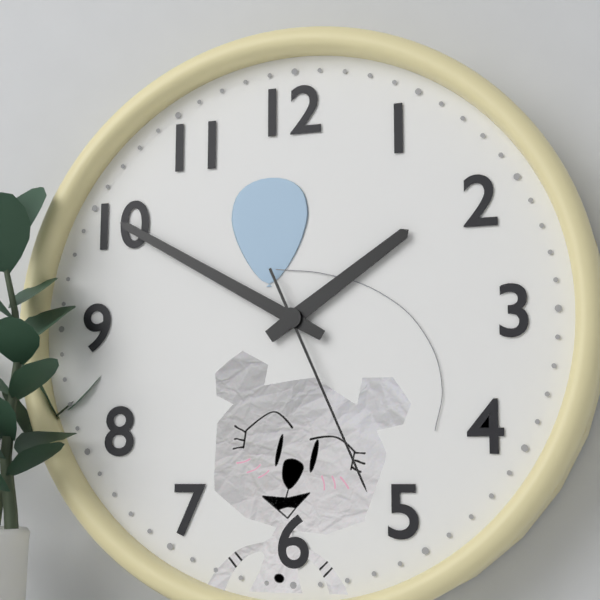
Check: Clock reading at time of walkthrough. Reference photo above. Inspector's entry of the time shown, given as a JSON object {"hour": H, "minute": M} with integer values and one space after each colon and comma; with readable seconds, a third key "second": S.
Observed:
{"hour": 1, "minute": 50, "second": 26}
